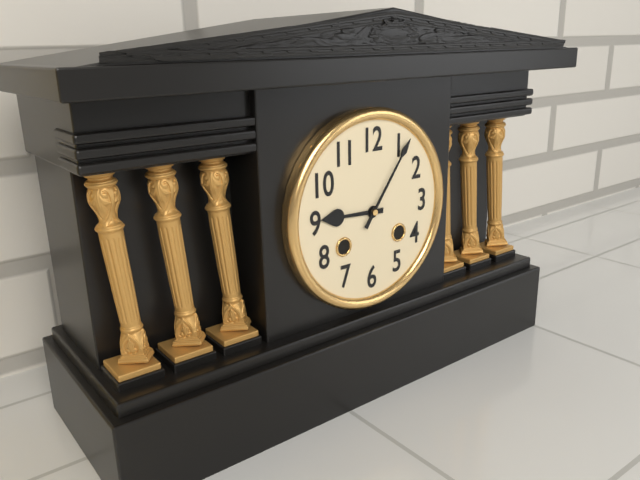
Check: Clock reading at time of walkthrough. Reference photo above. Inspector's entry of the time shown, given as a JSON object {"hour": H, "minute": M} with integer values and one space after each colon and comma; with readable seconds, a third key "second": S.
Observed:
{"hour": 9, "minute": 6}
